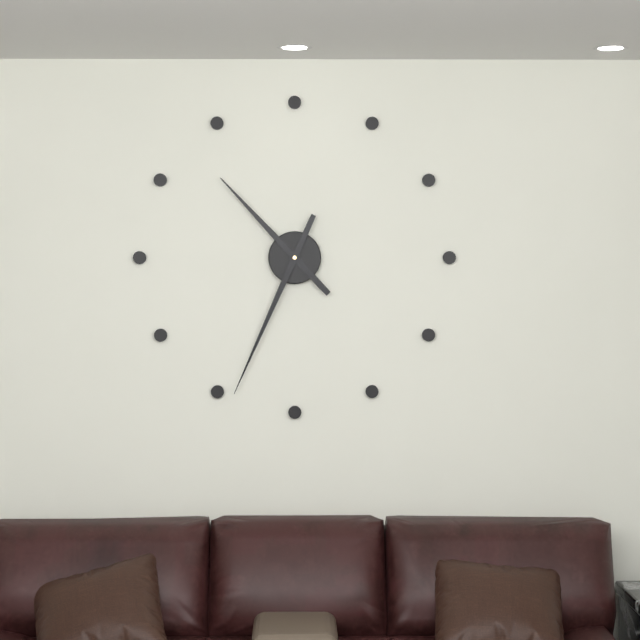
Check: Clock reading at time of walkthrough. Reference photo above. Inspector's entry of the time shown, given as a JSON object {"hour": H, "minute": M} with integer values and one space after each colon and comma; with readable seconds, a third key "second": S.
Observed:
{"hour": 10, "minute": 34}
